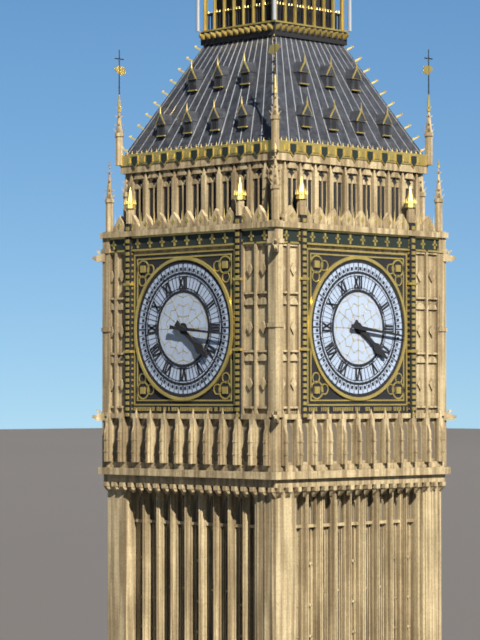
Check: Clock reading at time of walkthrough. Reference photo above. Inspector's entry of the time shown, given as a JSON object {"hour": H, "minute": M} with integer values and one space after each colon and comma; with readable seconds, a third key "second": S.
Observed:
{"hour": 4, "minute": 16}
